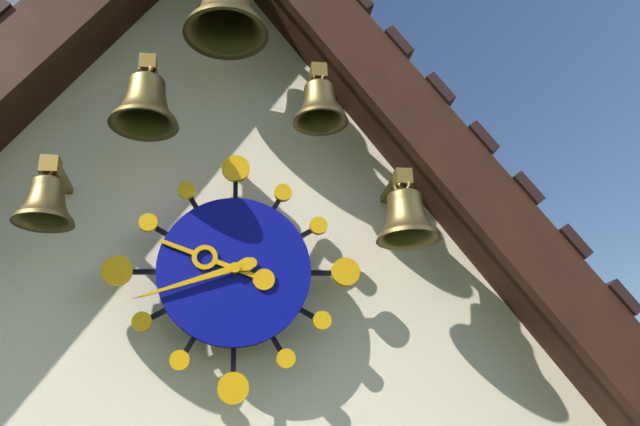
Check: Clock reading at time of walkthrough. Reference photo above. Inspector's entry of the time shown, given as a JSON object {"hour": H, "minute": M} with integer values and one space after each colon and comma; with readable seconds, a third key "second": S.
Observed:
{"hour": 9, "minute": 42}
